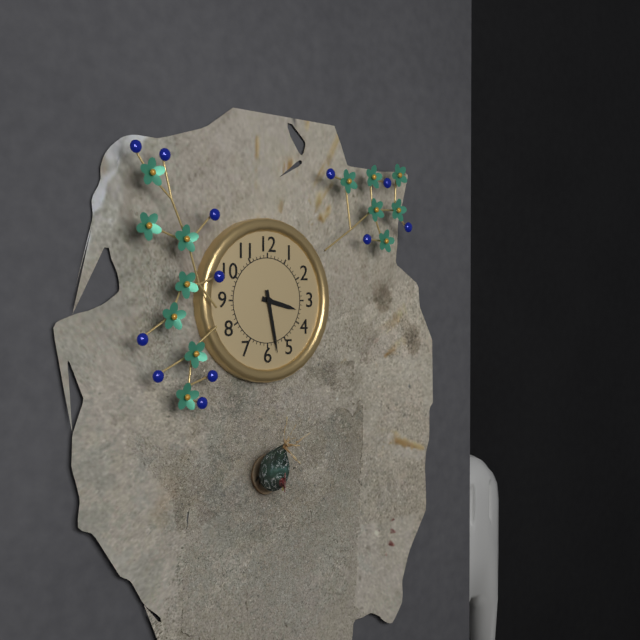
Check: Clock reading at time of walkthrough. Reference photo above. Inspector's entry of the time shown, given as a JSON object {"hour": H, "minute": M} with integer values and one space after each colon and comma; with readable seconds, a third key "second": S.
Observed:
{"hour": 3, "minute": 28}
